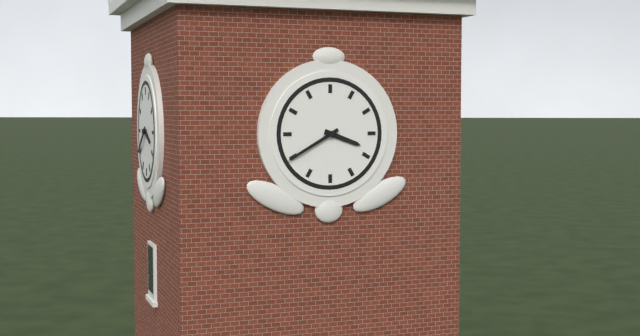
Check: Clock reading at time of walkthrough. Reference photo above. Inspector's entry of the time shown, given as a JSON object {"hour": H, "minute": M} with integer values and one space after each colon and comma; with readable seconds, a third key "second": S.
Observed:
{"hour": 3, "minute": 40}
